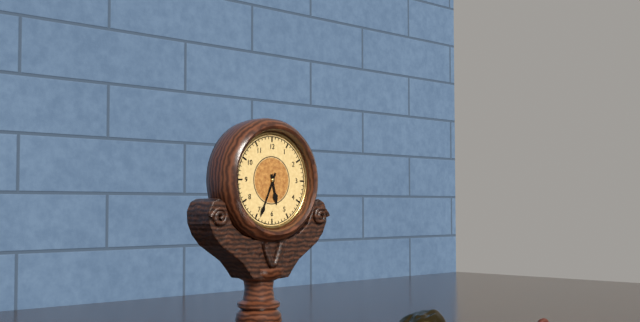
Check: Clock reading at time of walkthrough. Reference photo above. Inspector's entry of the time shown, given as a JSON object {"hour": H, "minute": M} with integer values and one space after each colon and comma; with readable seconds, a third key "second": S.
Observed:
{"hour": 5, "minute": 34}
